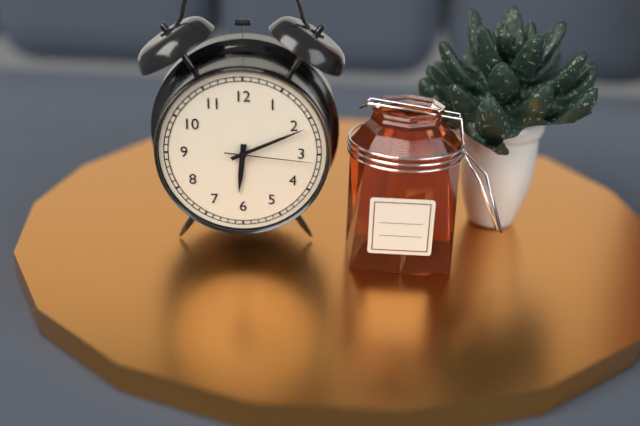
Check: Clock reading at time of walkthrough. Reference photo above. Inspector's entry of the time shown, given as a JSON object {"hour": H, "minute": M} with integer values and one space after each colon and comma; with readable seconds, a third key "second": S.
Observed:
{"hour": 6, "minute": 11, "second": 16}
